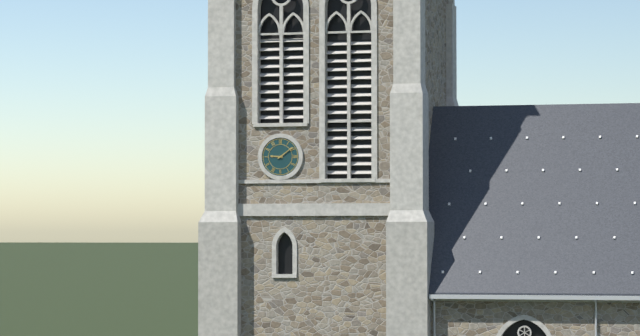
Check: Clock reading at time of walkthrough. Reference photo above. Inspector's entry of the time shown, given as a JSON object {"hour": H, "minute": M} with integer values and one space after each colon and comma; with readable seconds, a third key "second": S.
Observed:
{"hour": 9, "minute": 9}
